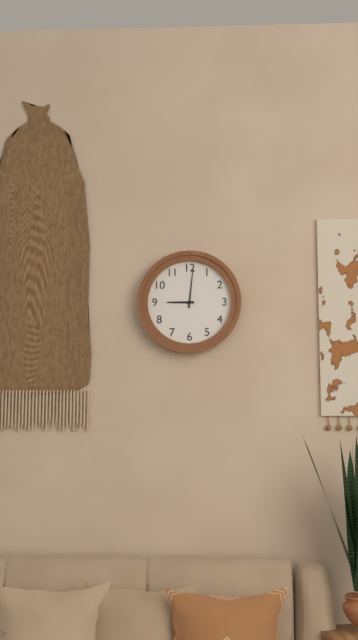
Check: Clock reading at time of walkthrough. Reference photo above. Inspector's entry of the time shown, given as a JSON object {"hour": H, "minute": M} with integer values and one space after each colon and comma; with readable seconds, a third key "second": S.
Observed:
{"hour": 9, "minute": 1}
